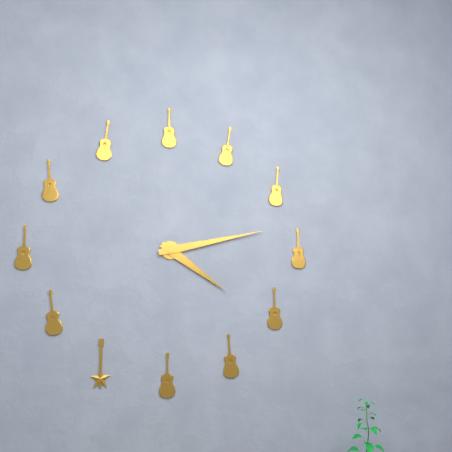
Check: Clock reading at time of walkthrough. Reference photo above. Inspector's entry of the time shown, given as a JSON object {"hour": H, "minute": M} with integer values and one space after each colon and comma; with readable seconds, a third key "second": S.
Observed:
{"hour": 4, "minute": 13}
